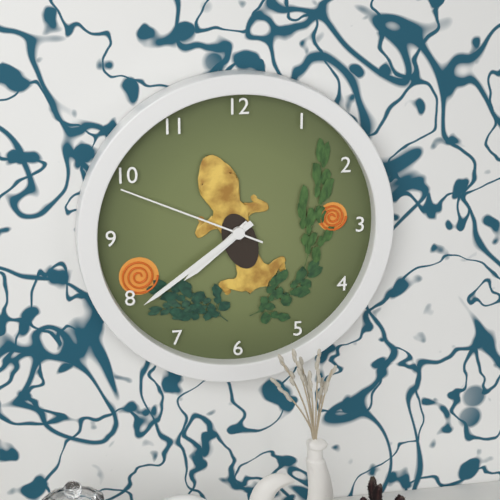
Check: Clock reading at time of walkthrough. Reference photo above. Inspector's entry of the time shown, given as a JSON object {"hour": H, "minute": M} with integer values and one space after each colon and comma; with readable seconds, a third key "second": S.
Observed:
{"hour": 7, "minute": 39, "second": 49}
